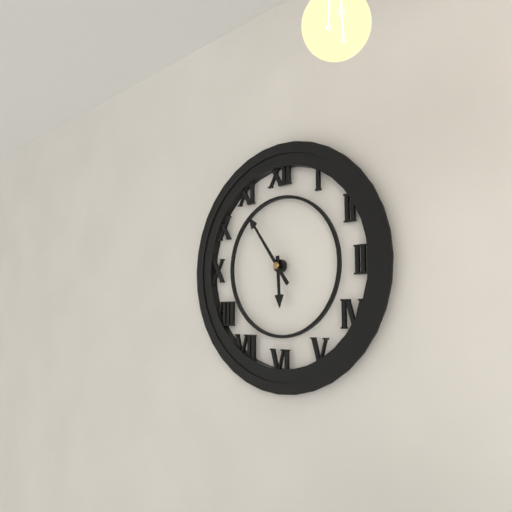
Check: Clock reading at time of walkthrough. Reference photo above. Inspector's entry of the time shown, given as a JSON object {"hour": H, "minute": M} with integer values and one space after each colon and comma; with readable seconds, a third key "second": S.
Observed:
{"hour": 5, "minute": 54}
